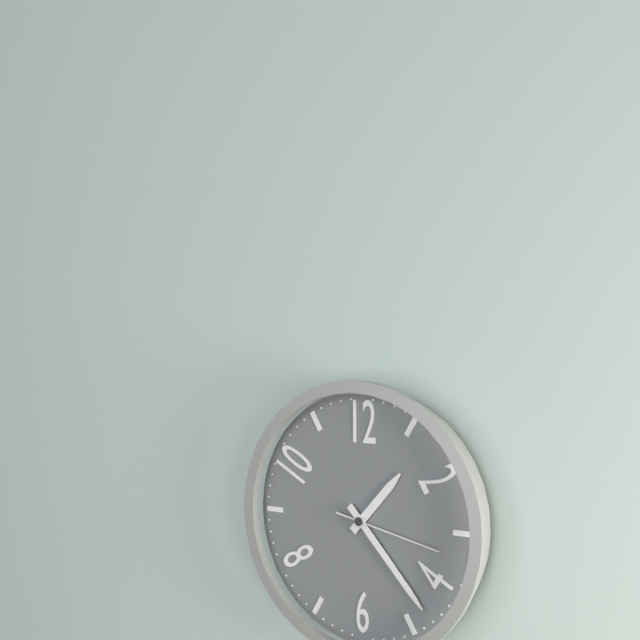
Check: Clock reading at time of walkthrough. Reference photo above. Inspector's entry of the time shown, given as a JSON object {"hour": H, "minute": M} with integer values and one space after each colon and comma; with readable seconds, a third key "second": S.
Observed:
{"hour": 1, "minute": 23, "second": 17}
